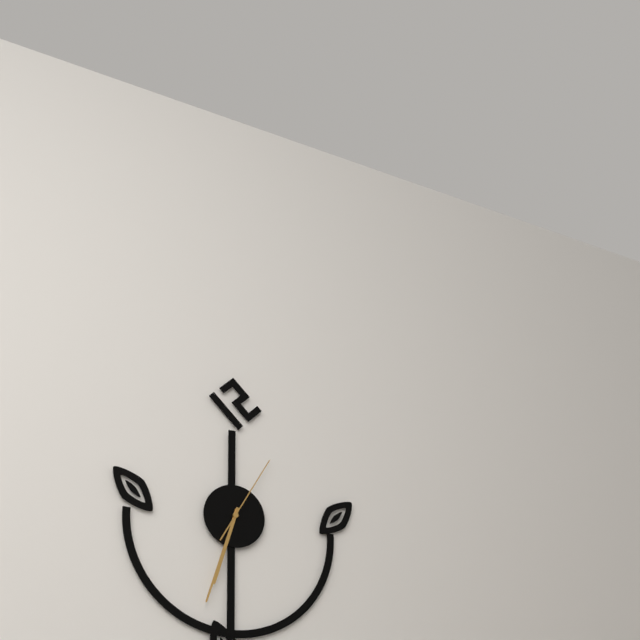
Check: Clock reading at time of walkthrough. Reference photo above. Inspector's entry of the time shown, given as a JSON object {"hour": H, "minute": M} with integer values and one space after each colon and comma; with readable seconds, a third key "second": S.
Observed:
{"hour": 6, "minute": 33, "second": 5}
